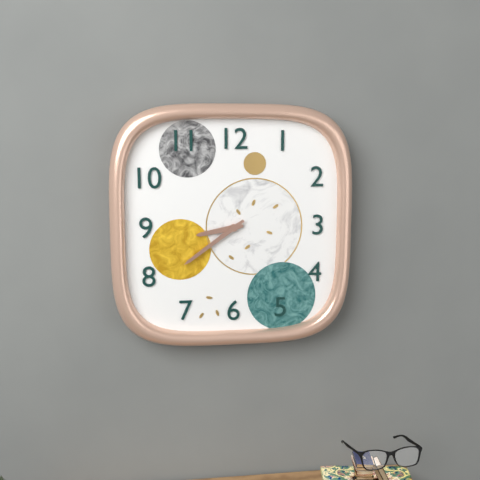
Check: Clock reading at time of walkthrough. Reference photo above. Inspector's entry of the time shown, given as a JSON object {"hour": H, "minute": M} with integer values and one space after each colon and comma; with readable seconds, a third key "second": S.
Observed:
{"hour": 8, "minute": 39}
